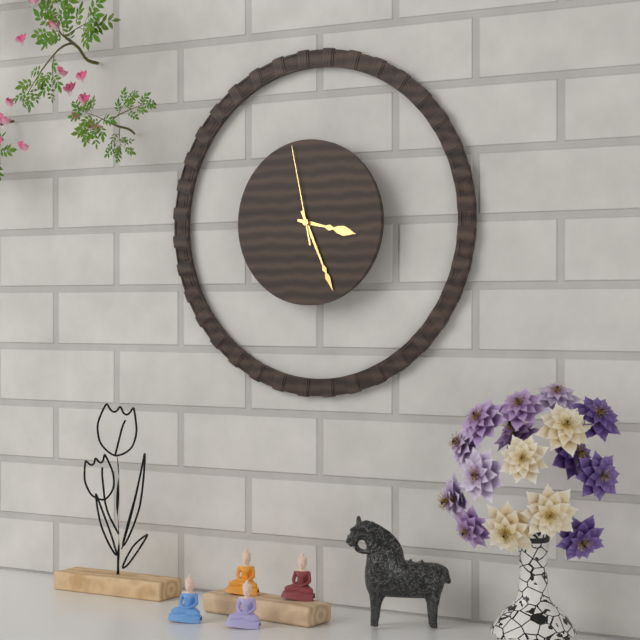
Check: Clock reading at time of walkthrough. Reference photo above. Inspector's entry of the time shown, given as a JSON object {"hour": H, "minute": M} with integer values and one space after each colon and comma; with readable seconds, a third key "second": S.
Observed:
{"hour": 3, "minute": 26, "second": 58}
